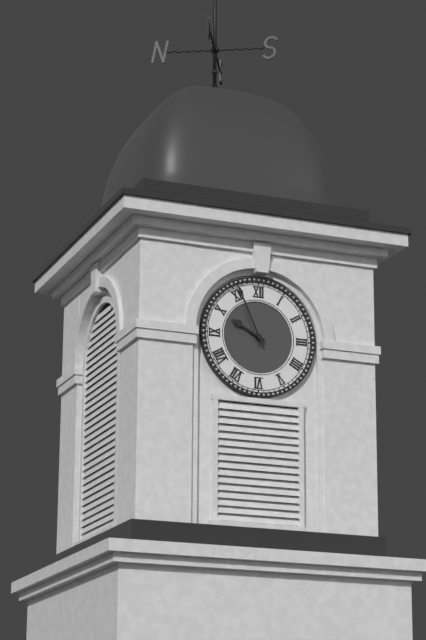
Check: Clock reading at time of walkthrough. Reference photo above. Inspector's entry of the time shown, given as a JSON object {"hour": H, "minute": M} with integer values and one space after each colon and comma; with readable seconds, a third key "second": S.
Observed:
{"hour": 9, "minute": 56}
